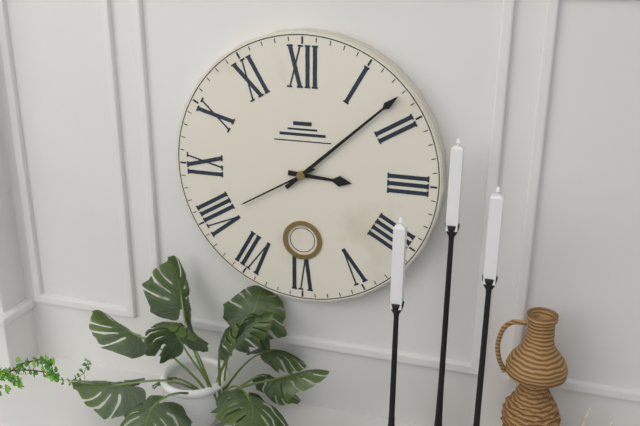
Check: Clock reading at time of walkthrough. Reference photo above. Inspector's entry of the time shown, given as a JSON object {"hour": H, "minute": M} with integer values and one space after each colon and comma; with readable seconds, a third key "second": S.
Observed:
{"hour": 3, "minute": 8, "second": 40}
